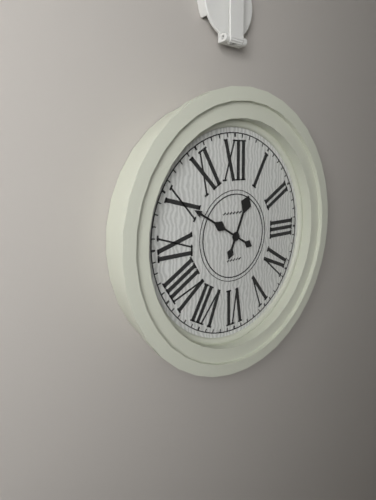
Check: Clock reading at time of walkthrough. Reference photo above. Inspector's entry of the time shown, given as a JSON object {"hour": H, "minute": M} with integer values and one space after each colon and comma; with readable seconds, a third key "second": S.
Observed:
{"hour": 12, "minute": 50}
